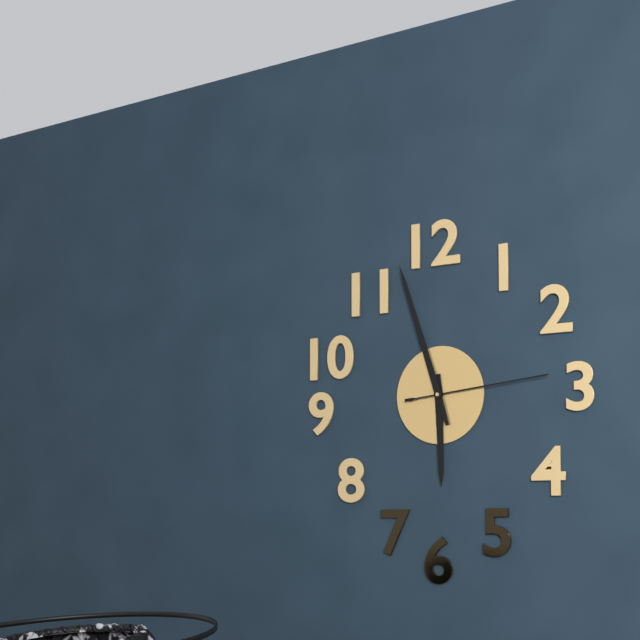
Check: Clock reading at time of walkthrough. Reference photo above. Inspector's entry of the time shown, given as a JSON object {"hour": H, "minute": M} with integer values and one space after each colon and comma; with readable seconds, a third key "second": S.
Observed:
{"hour": 5, "minute": 57, "second": 14}
